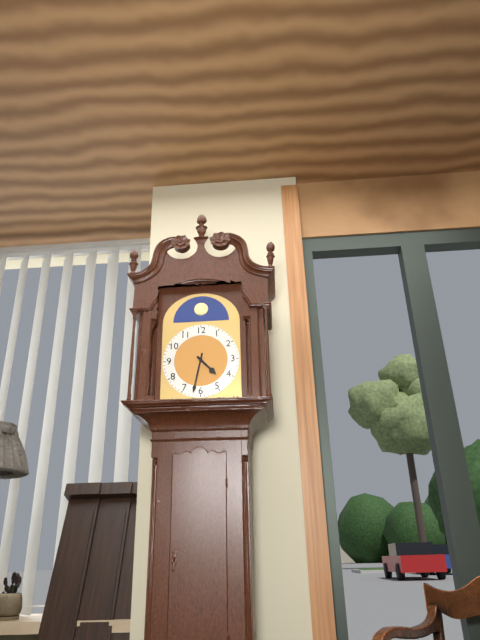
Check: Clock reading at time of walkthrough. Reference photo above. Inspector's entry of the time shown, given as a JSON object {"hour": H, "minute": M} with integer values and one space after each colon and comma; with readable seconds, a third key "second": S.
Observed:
{"hour": 4, "minute": 32}
